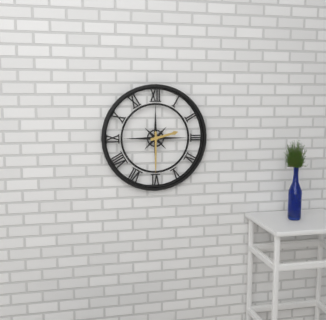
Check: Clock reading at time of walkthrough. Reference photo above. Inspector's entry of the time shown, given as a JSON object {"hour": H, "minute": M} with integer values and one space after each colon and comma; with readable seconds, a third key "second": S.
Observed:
{"hour": 2, "minute": 30}
